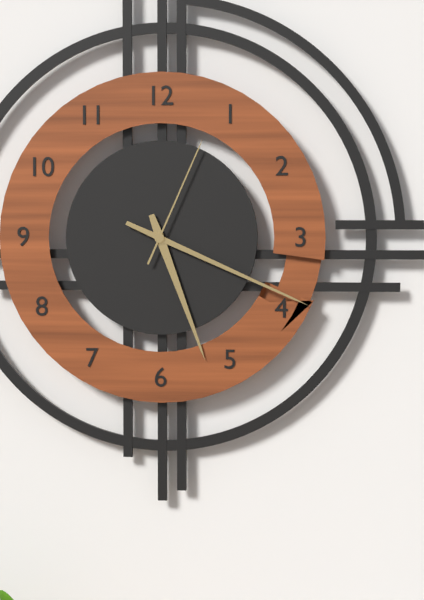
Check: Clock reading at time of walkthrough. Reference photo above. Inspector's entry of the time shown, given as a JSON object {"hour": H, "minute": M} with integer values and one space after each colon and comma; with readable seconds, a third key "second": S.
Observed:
{"hour": 5, "minute": 19, "second": 4}
